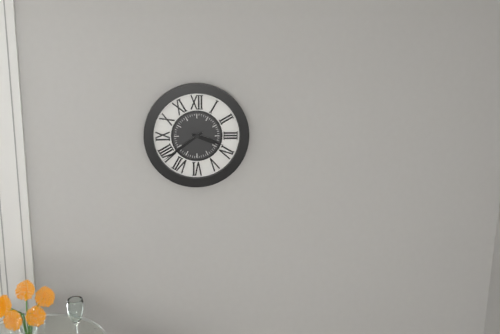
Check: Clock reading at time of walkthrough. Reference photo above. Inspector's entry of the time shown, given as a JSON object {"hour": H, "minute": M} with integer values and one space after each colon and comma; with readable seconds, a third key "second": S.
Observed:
{"hour": 3, "minute": 39}
